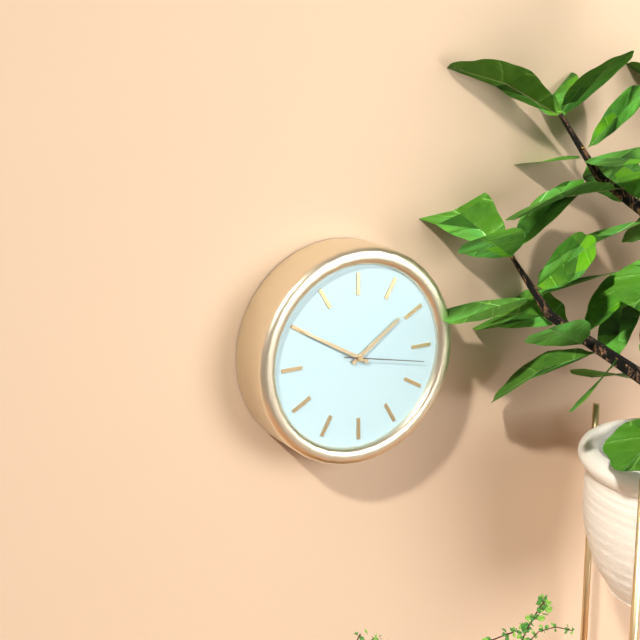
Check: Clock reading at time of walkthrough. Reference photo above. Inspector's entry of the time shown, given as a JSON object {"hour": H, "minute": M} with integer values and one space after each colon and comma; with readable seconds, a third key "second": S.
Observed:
{"hour": 1, "minute": 50, "second": 17}
